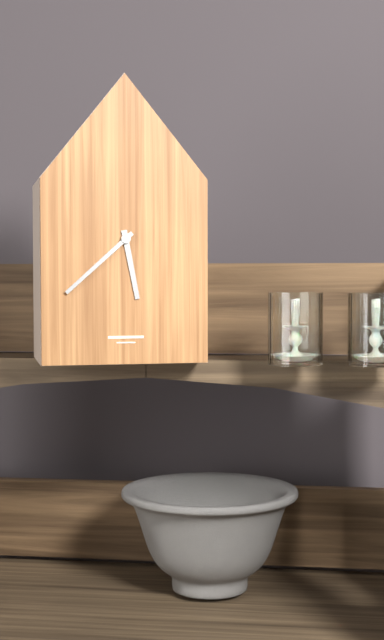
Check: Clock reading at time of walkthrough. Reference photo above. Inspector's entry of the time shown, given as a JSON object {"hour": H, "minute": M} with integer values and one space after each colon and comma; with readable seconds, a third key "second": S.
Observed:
{"hour": 5, "minute": 38}
